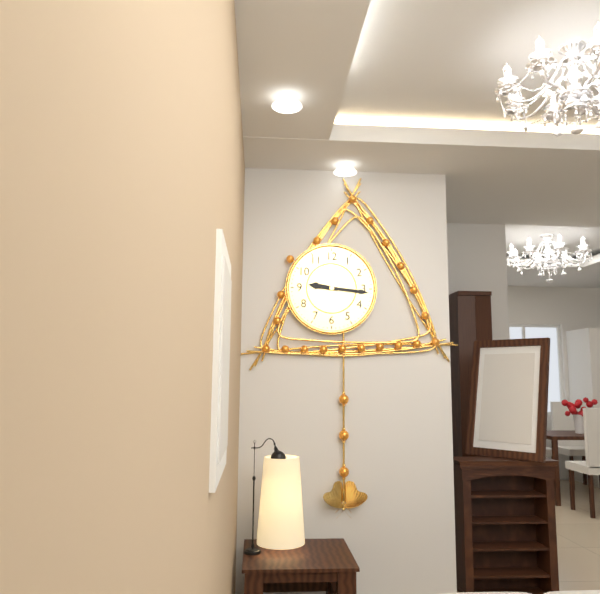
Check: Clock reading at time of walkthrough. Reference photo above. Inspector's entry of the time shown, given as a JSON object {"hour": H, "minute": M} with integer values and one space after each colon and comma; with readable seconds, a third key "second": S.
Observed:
{"hour": 9, "minute": 16}
